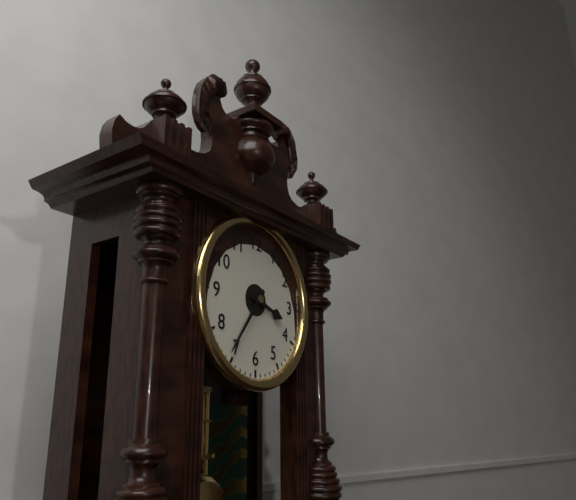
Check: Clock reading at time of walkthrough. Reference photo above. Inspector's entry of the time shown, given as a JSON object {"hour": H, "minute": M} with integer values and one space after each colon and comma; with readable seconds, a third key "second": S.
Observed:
{"hour": 3, "minute": 36}
